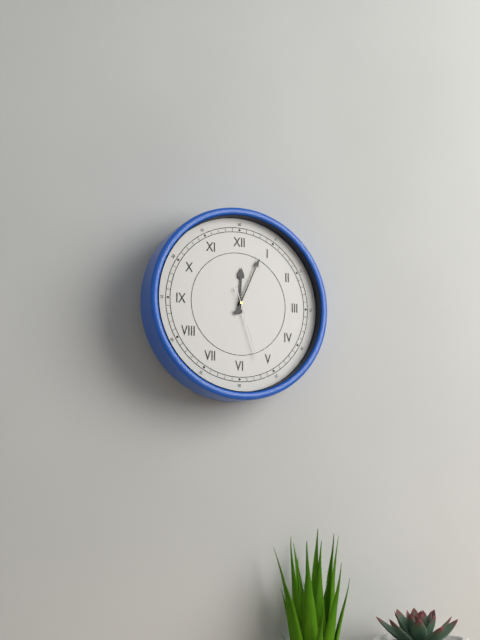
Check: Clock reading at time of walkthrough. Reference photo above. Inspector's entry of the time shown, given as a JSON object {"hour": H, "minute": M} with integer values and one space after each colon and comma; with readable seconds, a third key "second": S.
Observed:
{"hour": 12, "minute": 4, "second": 27}
